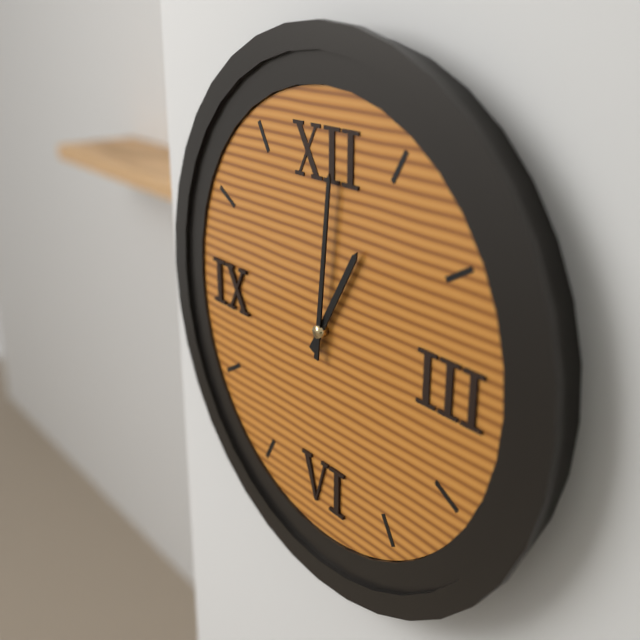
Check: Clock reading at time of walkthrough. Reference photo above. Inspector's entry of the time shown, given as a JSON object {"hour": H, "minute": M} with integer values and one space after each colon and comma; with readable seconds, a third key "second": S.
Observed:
{"hour": 1, "minute": 1}
